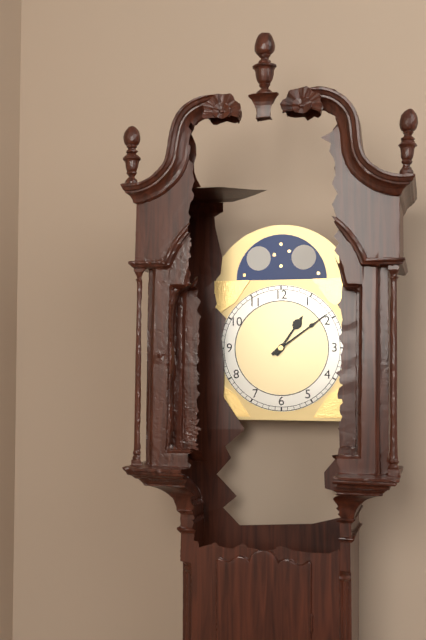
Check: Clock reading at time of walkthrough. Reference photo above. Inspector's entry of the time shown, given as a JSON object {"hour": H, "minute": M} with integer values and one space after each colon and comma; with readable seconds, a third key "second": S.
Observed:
{"hour": 1, "minute": 9}
